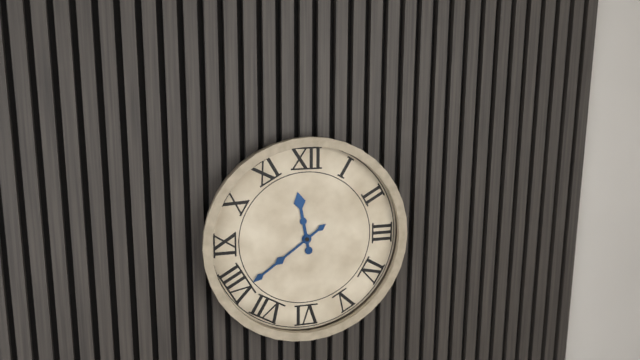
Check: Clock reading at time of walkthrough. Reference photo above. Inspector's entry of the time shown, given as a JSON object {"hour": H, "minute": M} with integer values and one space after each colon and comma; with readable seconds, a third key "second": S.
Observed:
{"hour": 11, "minute": 39}
